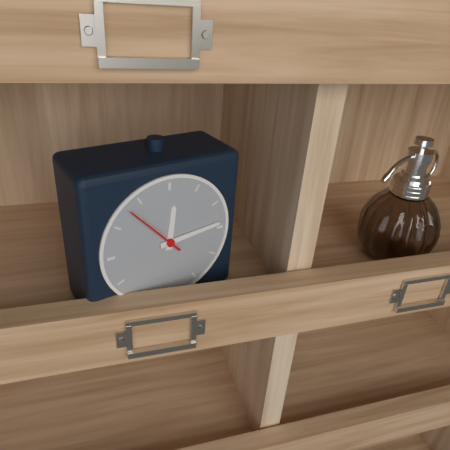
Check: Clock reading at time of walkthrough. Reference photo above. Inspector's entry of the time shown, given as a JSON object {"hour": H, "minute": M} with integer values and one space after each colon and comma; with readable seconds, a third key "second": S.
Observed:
{"hour": 12, "minute": 14, "second": 53}
